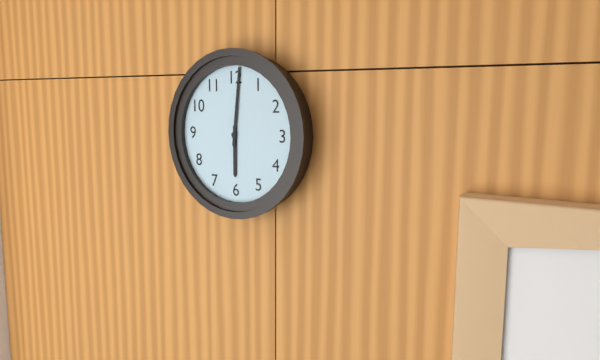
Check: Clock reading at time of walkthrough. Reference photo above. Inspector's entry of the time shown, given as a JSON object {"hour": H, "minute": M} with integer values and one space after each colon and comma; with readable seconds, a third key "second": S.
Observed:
{"hour": 6, "minute": 1}
